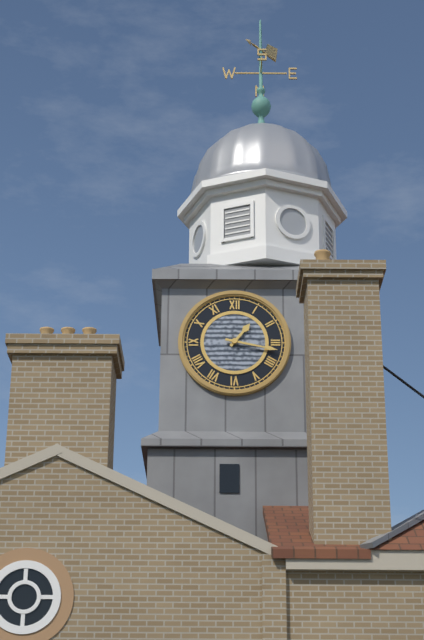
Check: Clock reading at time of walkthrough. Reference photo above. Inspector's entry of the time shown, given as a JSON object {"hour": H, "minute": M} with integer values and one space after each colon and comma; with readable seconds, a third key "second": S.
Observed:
{"hour": 1, "minute": 17}
